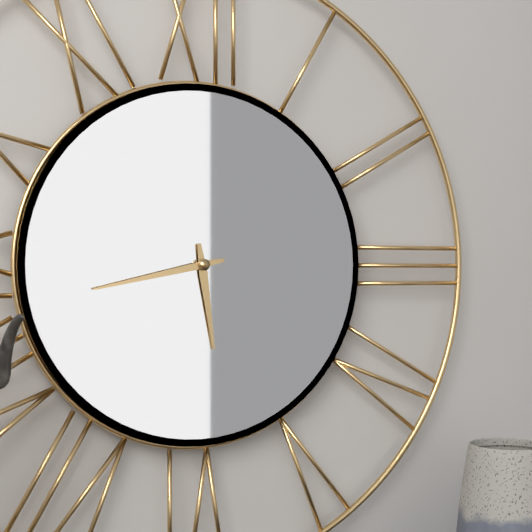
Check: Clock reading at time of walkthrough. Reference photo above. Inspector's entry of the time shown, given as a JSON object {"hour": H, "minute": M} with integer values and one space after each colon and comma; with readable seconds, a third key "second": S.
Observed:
{"hour": 5, "minute": 43}
